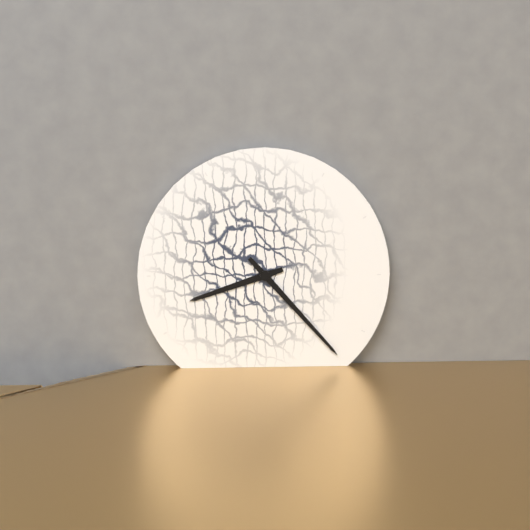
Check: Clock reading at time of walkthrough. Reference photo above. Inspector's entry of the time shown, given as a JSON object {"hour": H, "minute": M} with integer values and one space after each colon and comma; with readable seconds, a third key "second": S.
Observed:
{"hour": 8, "minute": 23}
